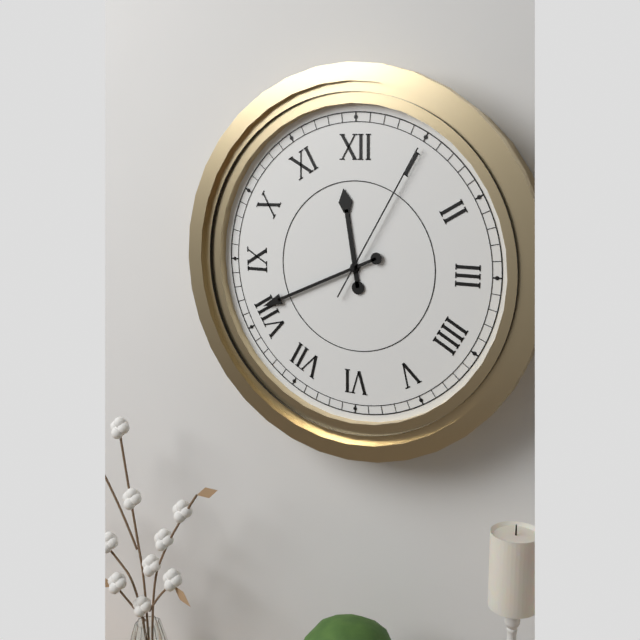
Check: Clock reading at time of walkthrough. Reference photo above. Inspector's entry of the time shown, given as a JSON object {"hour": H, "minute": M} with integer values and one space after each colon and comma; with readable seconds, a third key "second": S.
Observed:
{"hour": 11, "minute": 41, "second": 5}
